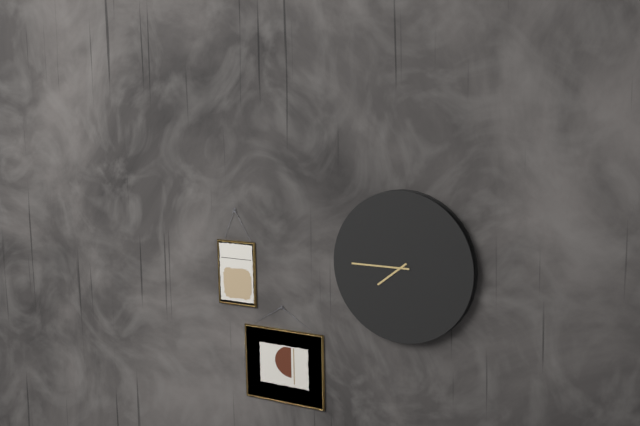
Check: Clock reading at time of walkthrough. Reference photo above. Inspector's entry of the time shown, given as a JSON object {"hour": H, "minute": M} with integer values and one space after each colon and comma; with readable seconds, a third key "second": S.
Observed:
{"hour": 7, "minute": 45}
